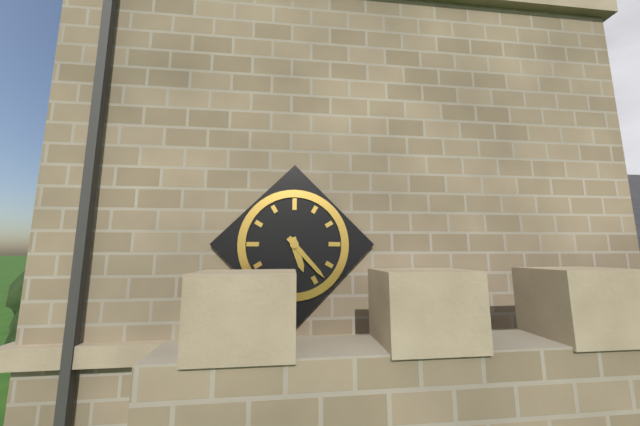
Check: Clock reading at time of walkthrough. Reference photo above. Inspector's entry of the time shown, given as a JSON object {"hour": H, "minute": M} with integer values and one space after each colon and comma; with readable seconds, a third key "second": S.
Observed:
{"hour": 5, "minute": 23}
